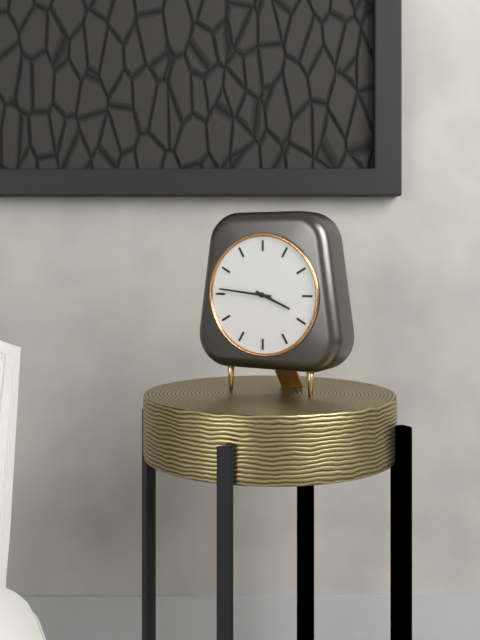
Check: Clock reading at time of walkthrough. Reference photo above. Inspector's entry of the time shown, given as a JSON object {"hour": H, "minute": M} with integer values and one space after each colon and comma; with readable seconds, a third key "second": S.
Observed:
{"hour": 3, "minute": 46}
